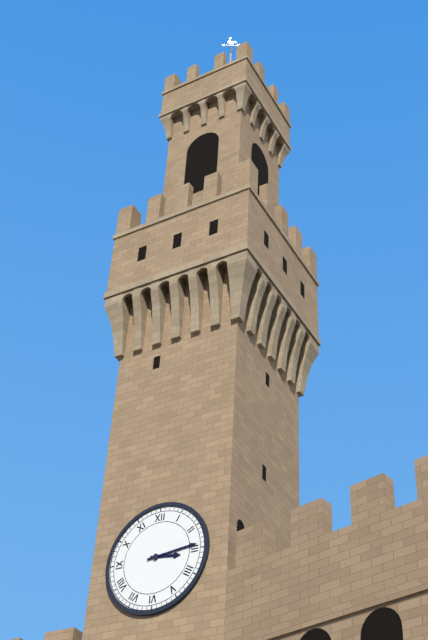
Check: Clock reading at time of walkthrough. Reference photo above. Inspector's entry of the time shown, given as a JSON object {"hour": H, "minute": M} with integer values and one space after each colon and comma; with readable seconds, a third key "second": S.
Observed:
{"hour": 3, "minute": 14}
